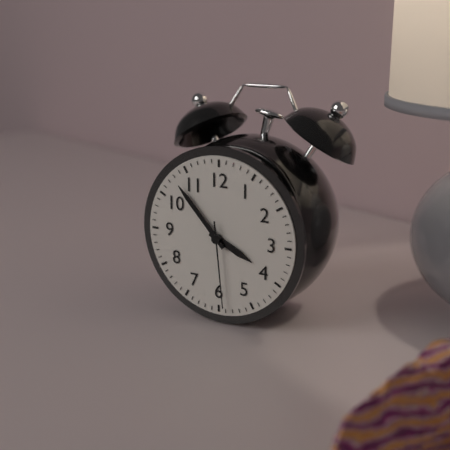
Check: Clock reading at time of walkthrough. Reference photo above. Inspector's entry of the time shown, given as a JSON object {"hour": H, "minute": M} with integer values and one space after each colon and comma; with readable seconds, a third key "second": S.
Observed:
{"hour": 3, "minute": 53, "second": 29}
